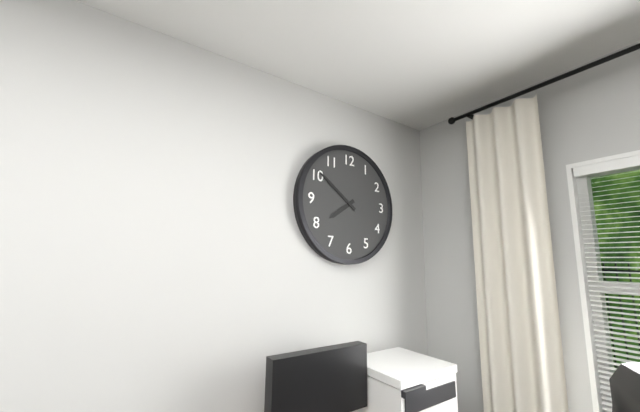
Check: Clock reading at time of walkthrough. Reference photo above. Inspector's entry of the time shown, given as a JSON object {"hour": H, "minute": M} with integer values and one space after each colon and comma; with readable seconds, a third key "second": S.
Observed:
{"hour": 7, "minute": 51}
